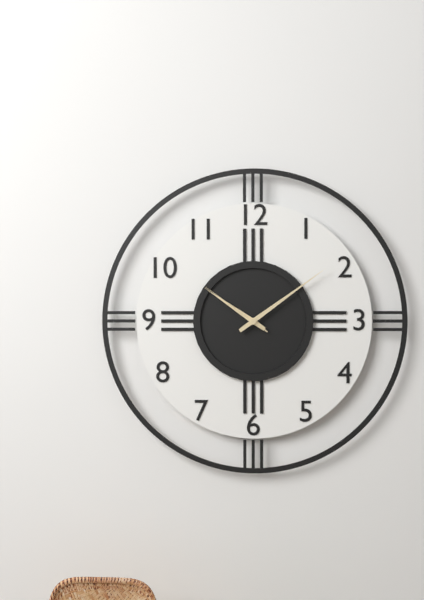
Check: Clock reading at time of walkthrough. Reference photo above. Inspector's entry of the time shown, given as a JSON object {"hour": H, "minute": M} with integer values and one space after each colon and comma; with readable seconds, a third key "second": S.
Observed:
{"hour": 10, "minute": 9, "second": 51}
